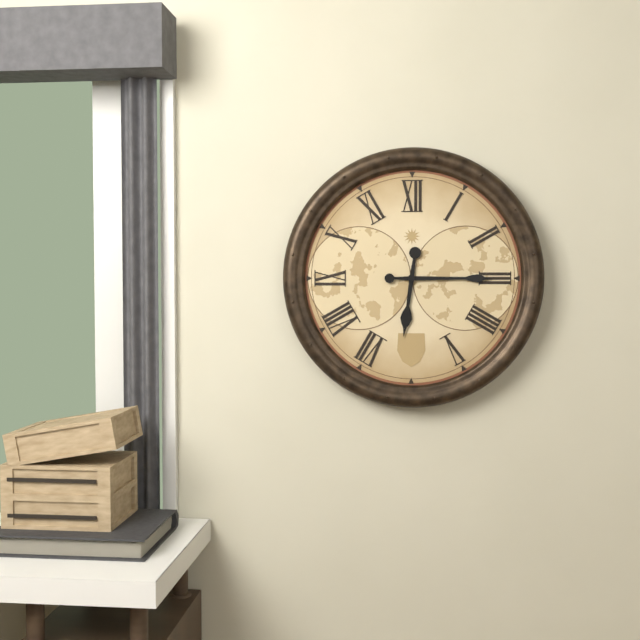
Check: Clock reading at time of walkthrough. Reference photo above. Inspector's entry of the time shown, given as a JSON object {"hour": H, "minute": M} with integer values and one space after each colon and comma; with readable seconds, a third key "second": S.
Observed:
{"hour": 6, "minute": 15}
